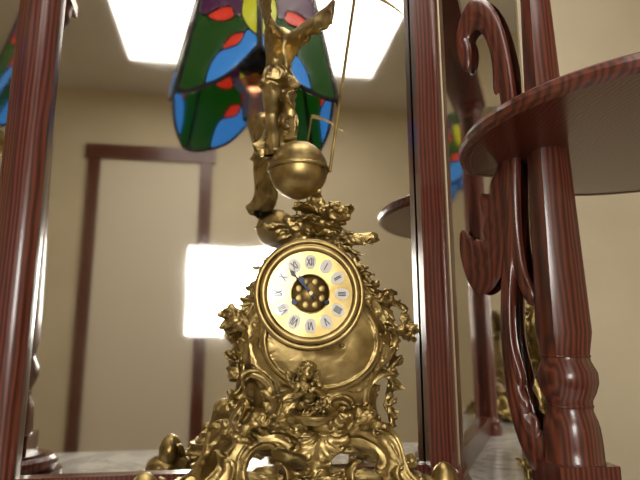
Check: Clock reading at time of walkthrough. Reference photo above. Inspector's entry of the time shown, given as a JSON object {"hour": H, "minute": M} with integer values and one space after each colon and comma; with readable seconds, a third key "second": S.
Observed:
{"hour": 10, "minute": 53}
